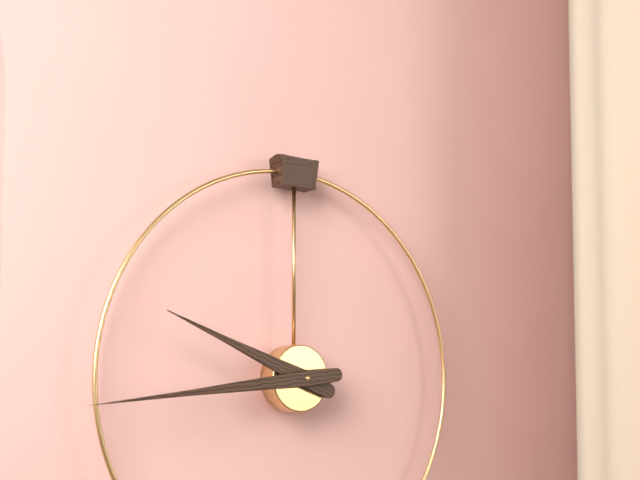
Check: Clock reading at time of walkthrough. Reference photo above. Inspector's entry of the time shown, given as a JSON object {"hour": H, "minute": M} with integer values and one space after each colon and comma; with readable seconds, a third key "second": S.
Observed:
{"hour": 9, "minute": 44}
